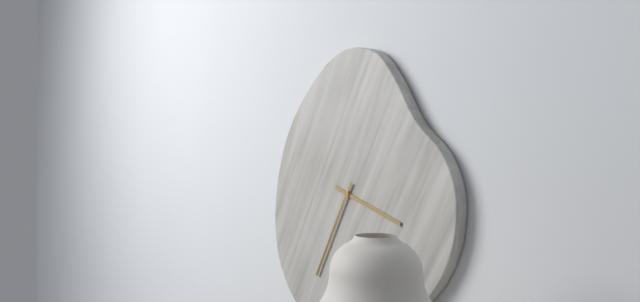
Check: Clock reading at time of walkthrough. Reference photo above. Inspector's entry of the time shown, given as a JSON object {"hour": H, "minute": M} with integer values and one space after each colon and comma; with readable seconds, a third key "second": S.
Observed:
{"hour": 3, "minute": 35}
